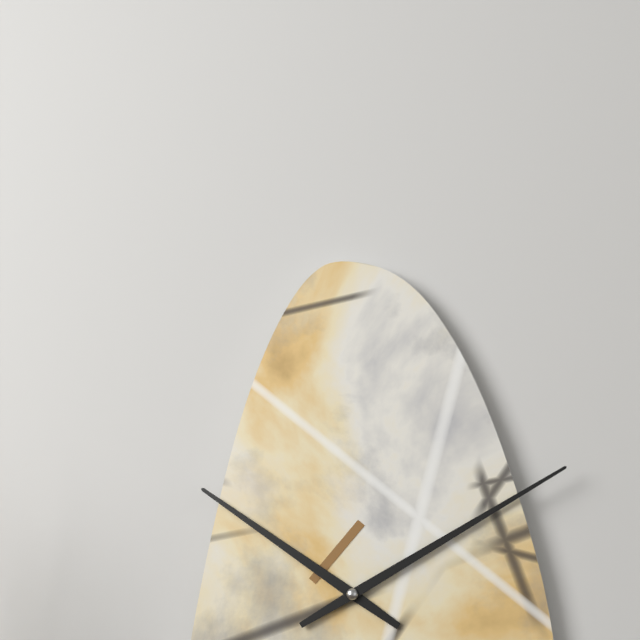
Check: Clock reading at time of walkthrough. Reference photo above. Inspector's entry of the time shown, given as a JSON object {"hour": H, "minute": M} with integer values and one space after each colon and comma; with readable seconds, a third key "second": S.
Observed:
{"hour": 10, "minute": 10}
